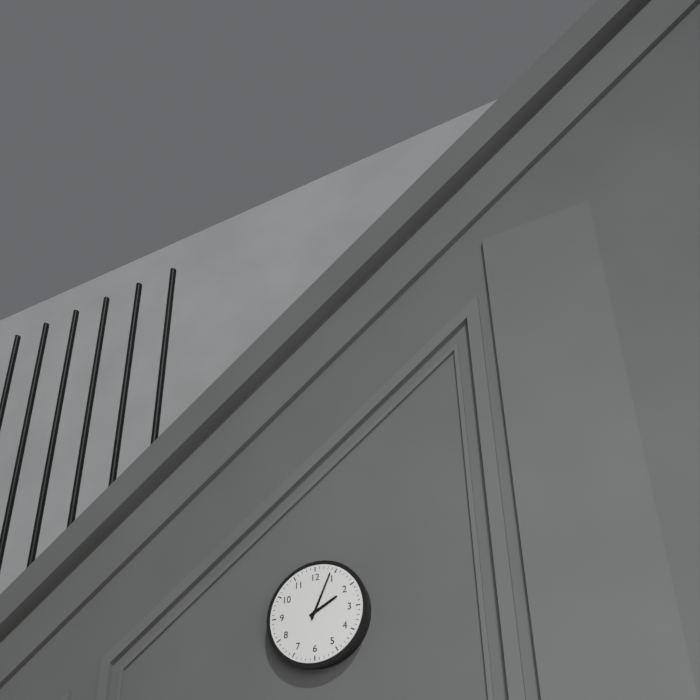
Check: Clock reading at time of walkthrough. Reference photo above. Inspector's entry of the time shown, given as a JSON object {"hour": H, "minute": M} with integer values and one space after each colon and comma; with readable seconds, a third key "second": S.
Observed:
{"hour": 2, "minute": 4}
